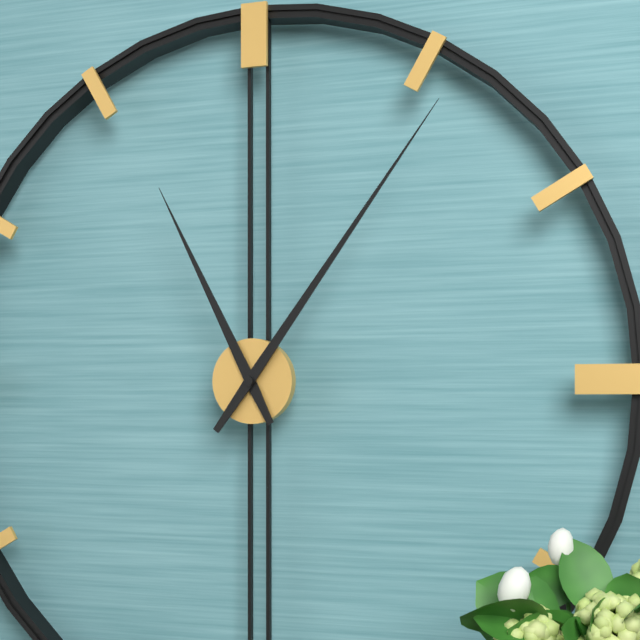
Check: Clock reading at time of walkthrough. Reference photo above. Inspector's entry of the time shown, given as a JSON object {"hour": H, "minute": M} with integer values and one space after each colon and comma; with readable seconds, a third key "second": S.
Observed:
{"hour": 11, "minute": 6}
